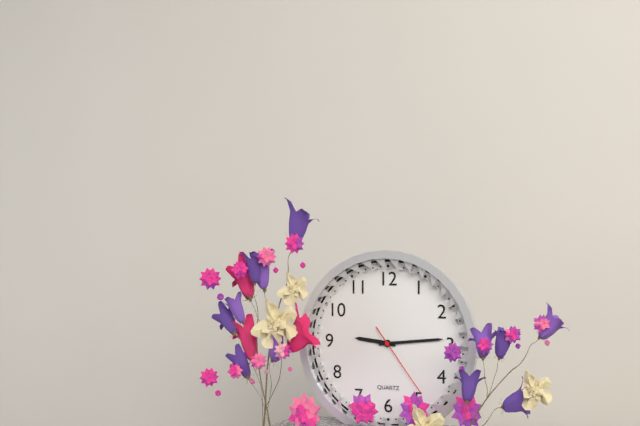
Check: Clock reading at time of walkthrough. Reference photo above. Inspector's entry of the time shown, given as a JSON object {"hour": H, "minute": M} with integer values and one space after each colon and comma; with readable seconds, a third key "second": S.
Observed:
{"hour": 9, "minute": 14, "second": 24}
